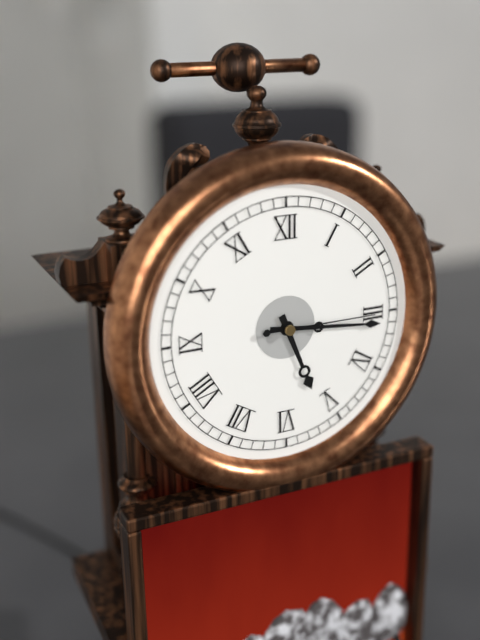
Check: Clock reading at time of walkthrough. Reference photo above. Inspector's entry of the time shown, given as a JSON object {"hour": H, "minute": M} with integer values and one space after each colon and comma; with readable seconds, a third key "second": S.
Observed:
{"hour": 5, "minute": 16, "second": 15}
